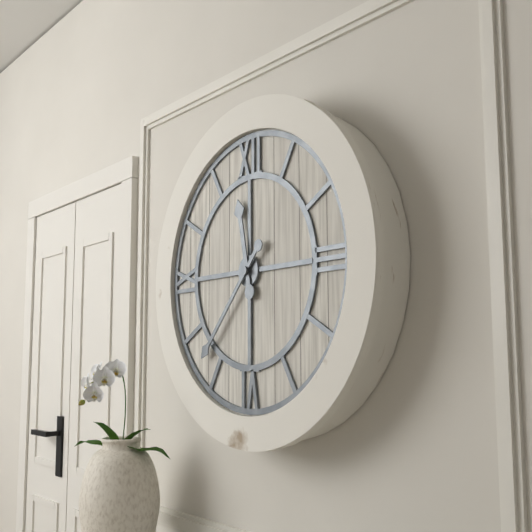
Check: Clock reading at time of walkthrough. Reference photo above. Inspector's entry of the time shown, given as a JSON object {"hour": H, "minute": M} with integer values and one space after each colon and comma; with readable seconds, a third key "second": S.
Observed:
{"hour": 11, "minute": 37}
